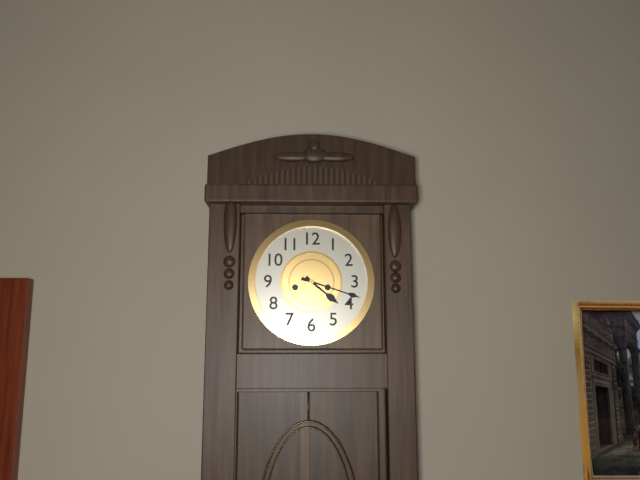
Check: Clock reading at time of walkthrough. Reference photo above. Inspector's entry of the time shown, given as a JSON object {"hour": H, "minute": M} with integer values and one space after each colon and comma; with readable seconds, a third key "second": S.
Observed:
{"hour": 4, "minute": 18}
